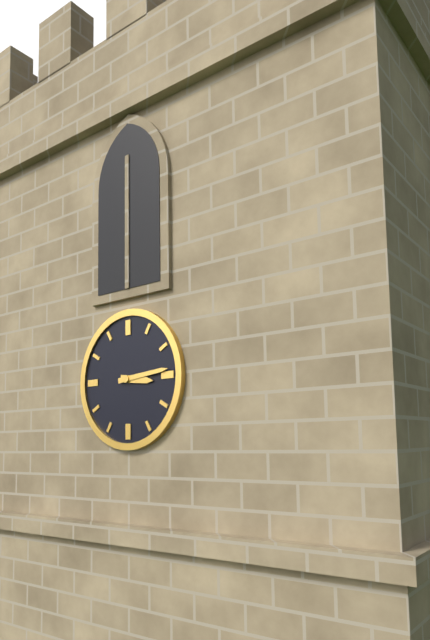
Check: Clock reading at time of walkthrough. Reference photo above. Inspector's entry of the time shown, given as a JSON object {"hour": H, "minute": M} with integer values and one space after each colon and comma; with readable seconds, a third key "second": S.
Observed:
{"hour": 3, "minute": 14}
